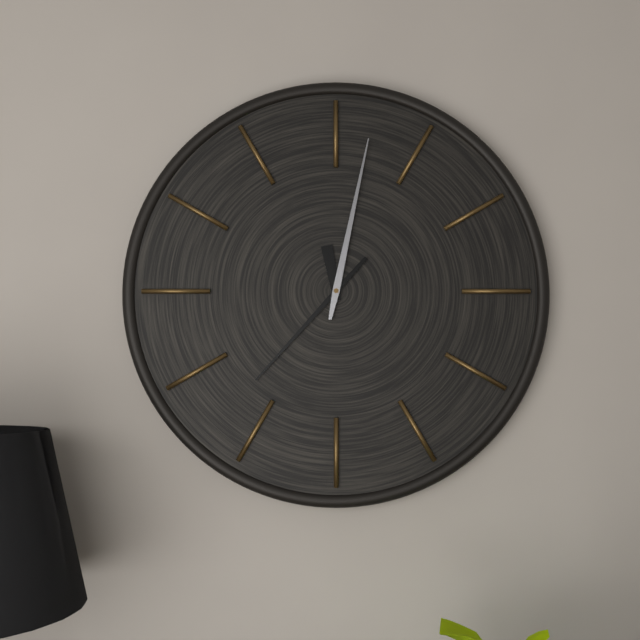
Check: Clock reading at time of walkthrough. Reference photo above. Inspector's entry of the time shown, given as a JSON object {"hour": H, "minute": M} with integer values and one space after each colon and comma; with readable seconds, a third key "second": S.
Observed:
{"hour": 11, "minute": 37, "second": 2}
